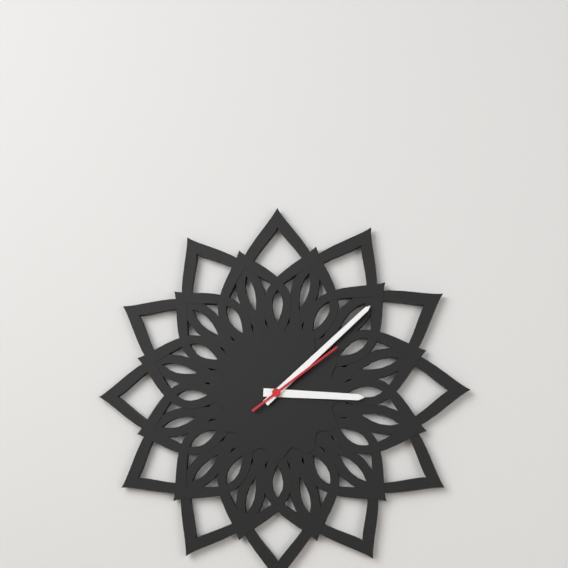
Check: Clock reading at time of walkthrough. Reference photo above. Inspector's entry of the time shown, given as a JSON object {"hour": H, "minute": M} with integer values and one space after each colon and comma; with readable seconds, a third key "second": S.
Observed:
{"hour": 3, "minute": 8, "second": 9}
